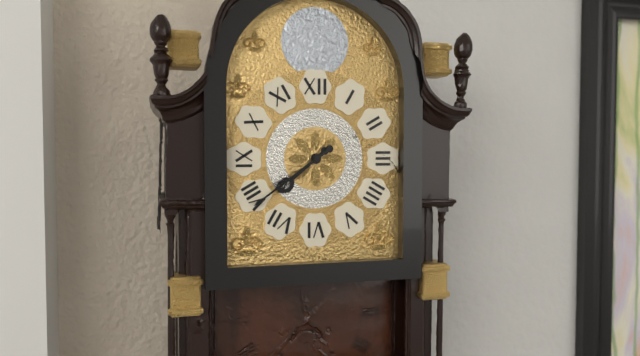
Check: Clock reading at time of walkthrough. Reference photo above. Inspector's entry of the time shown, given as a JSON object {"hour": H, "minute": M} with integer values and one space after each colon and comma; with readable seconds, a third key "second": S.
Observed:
{"hour": 7, "minute": 39}
